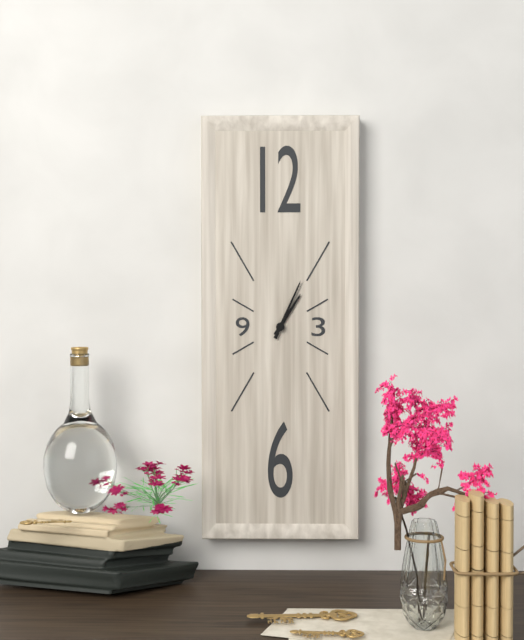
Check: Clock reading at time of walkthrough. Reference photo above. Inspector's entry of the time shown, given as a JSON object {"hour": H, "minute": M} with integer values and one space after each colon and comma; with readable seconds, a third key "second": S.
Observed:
{"hour": 1, "minute": 4}
